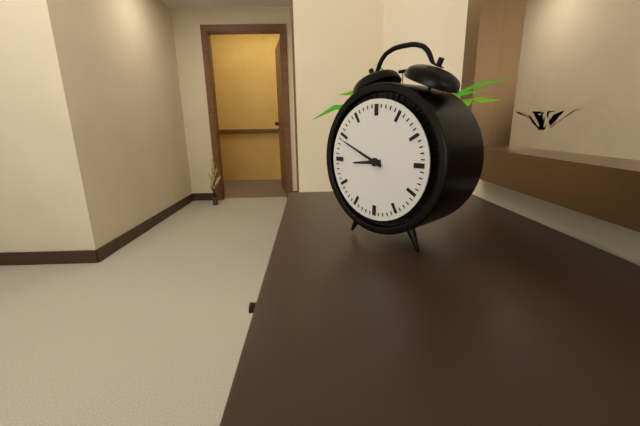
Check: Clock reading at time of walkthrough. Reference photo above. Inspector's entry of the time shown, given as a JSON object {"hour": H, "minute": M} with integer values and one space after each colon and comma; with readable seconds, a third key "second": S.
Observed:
{"hour": 8, "minute": 49}
